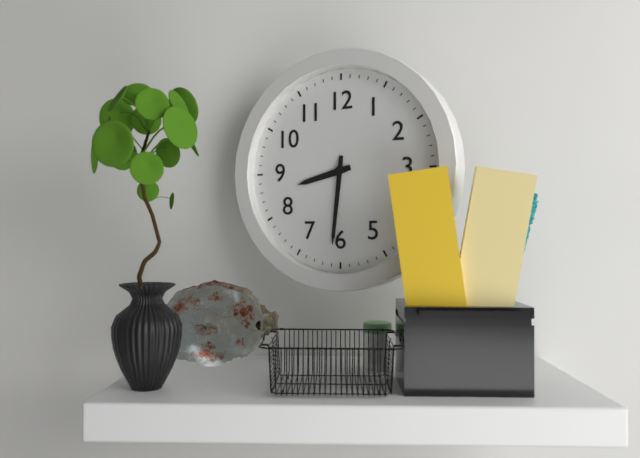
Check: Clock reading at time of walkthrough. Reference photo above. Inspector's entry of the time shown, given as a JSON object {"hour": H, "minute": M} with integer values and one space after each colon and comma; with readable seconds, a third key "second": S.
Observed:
{"hour": 8, "minute": 31}
